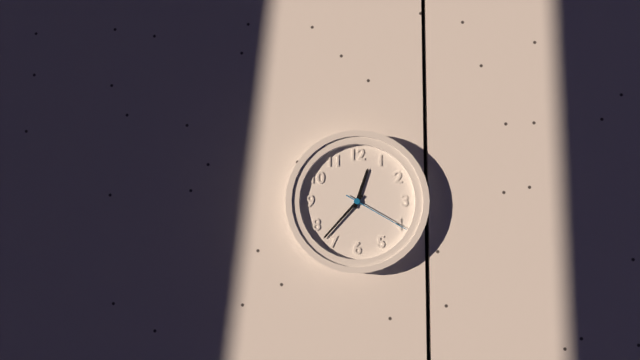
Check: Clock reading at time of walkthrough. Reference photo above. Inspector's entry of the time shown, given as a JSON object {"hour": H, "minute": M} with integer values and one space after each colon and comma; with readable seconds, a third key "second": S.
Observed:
{"hour": 12, "minute": 37, "second": 20}
